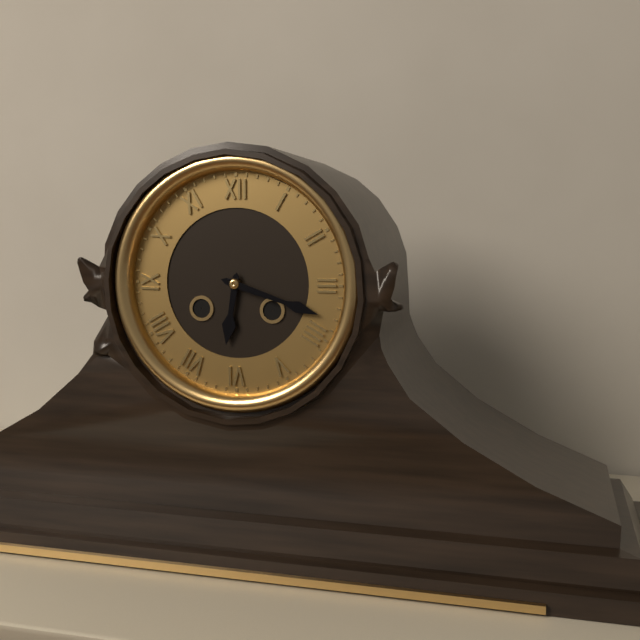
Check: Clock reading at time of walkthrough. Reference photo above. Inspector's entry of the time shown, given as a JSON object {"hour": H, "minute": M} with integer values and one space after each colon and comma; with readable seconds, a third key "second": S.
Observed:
{"hour": 6, "minute": 18}
